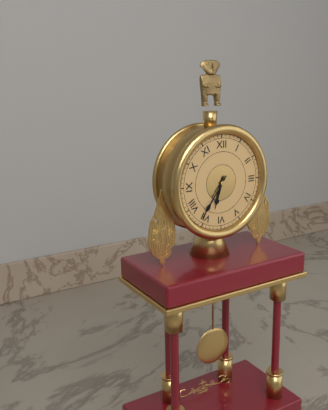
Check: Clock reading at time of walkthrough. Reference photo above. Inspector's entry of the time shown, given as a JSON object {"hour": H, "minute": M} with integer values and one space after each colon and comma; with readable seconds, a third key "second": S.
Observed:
{"hour": 6, "minute": 36}
